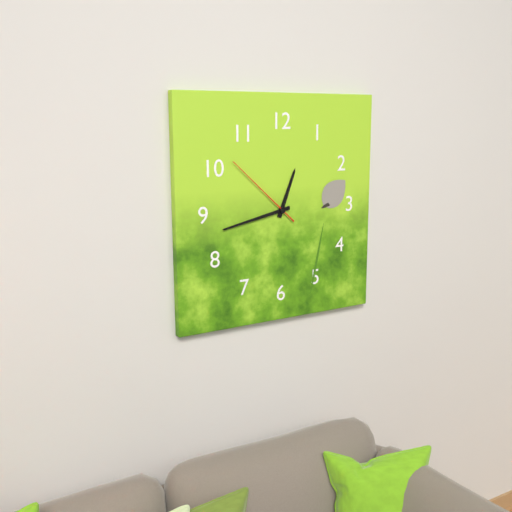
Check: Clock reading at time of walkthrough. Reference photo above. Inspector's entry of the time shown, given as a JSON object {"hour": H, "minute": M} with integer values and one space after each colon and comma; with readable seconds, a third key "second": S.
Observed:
{"hour": 12, "minute": 43, "second": 52}
